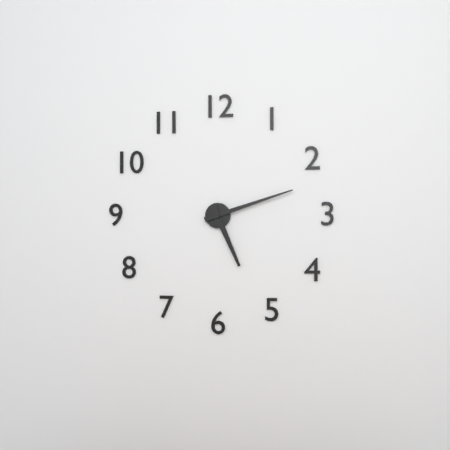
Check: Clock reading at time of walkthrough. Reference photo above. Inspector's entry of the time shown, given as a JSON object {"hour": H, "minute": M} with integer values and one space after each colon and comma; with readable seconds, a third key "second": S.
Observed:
{"hour": 5, "minute": 12}
